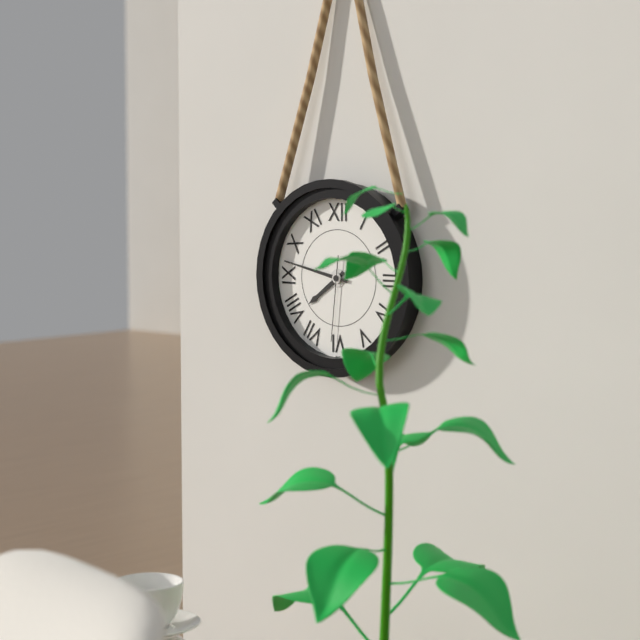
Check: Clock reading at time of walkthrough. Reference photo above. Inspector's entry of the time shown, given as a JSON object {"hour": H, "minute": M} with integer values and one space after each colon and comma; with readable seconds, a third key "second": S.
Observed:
{"hour": 7, "minute": 47, "second": 31}
